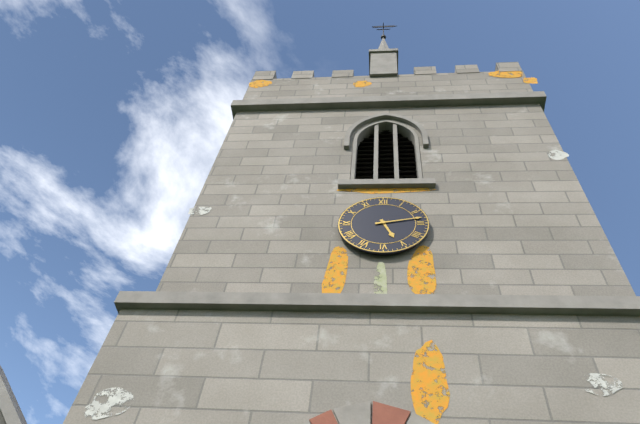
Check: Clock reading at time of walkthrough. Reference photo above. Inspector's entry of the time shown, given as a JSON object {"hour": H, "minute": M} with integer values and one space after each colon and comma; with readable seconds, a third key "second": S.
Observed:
{"hour": 5, "minute": 13}
